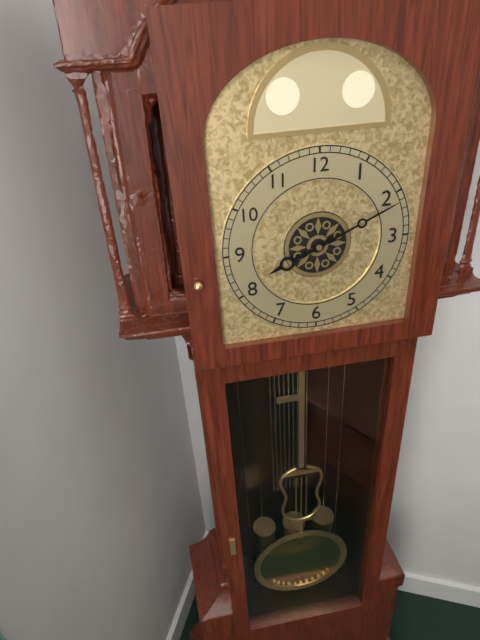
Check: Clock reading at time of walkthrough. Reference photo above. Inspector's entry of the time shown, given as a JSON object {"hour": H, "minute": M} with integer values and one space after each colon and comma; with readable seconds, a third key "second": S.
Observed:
{"hour": 8, "minute": 11}
